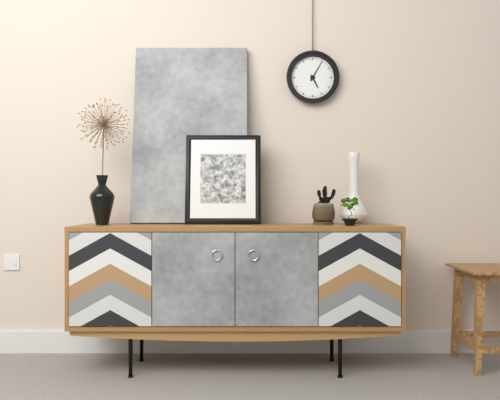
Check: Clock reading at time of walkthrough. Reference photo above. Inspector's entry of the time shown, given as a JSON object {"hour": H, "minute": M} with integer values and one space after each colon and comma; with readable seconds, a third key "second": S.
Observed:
{"hour": 5, "minute": 5}
